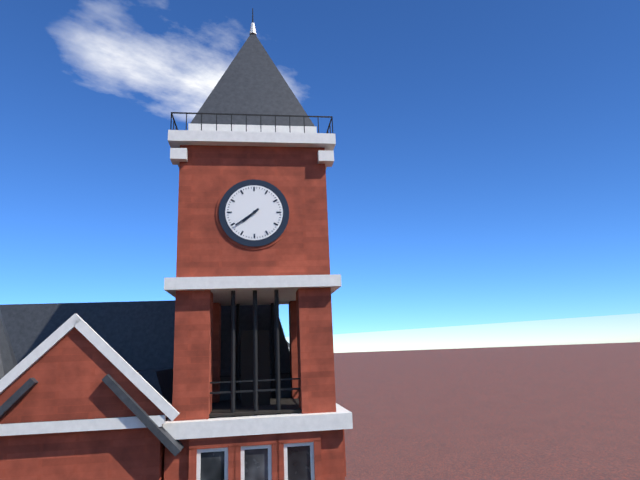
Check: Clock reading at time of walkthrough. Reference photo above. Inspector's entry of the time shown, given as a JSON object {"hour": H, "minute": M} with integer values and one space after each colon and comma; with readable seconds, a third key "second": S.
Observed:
{"hour": 7, "minute": 39}
